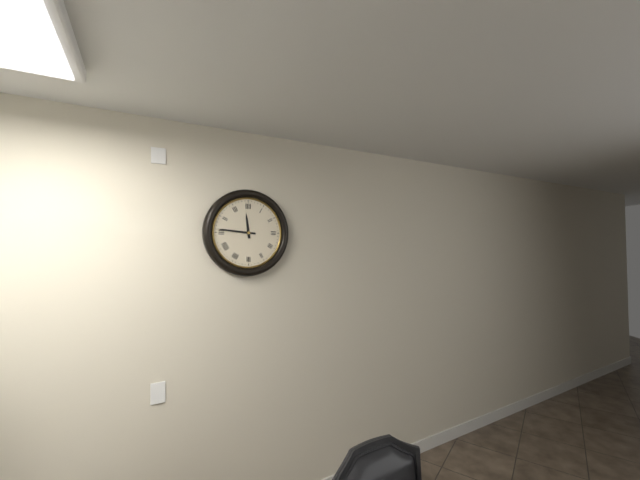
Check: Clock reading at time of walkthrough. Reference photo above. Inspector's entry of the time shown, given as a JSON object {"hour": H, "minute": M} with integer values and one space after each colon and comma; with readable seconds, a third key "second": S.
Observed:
{"hour": 11, "minute": 46}
